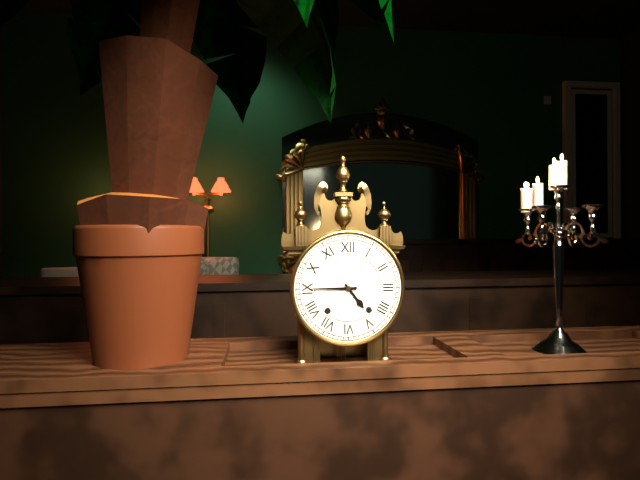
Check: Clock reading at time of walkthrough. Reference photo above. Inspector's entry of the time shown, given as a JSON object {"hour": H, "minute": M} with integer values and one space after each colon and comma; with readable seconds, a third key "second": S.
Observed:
{"hour": 4, "minute": 45}
